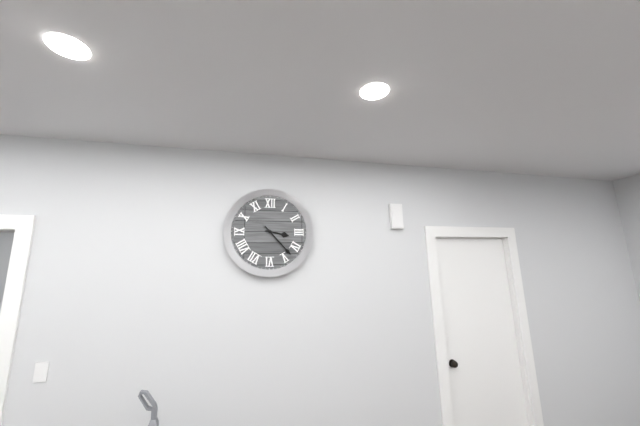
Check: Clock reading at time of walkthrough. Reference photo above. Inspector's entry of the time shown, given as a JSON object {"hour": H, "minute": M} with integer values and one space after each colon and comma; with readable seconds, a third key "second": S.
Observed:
{"hour": 3, "minute": 23}
